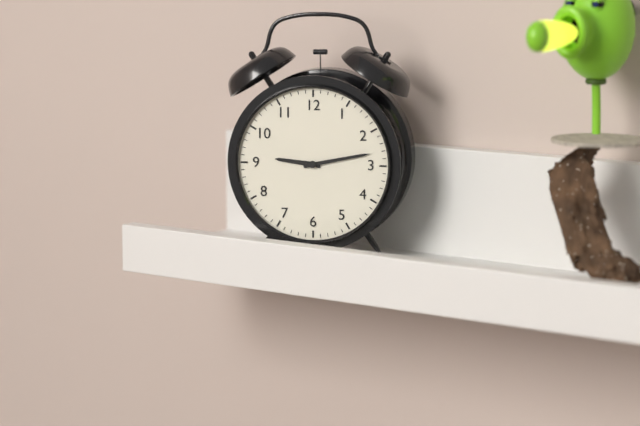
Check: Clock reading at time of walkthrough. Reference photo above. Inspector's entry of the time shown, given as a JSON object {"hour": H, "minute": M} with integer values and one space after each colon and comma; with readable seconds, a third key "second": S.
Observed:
{"hour": 9, "minute": 13}
